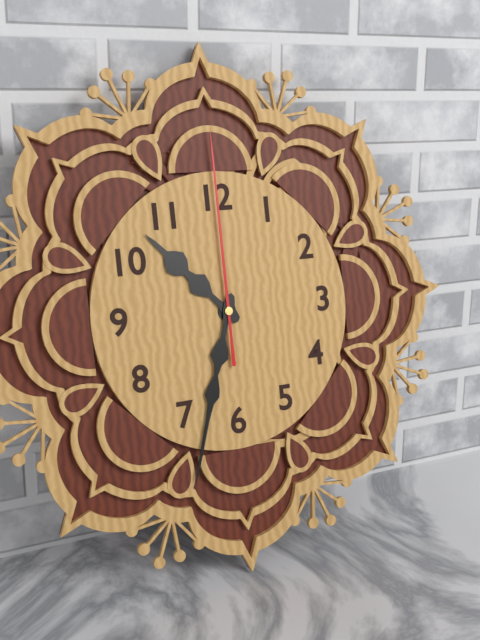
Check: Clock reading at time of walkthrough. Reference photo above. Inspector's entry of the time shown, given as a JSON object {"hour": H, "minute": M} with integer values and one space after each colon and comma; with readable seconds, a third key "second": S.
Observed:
{"hour": 10, "minute": 33, "second": 0}
